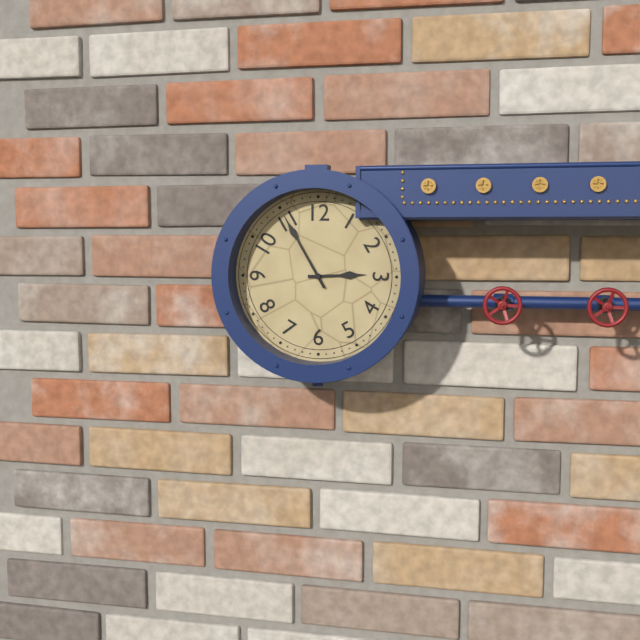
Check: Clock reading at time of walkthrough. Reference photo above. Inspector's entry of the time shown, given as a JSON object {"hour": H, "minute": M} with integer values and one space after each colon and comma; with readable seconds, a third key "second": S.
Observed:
{"hour": 2, "minute": 55}
